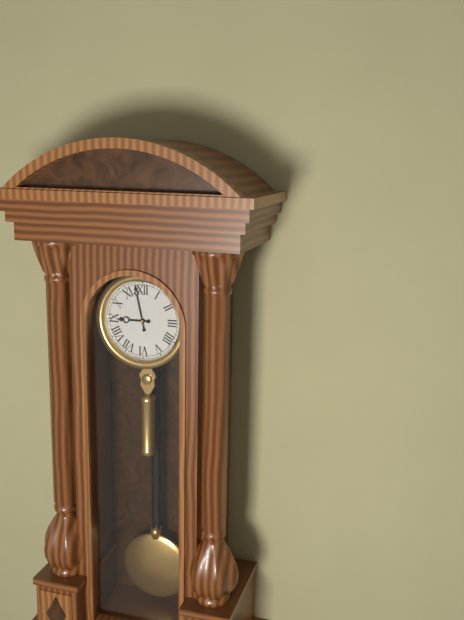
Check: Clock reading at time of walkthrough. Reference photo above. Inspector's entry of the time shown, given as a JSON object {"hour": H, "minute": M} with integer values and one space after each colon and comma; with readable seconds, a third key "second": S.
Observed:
{"hour": 8, "minute": 58}
